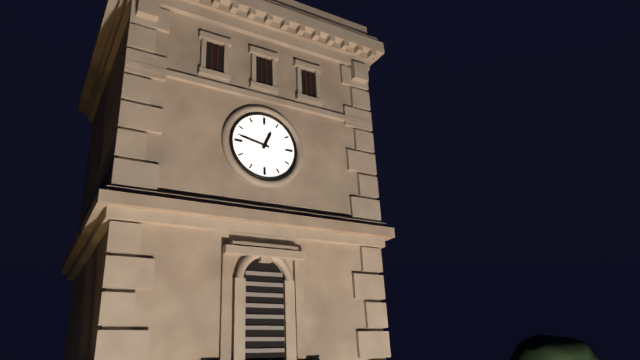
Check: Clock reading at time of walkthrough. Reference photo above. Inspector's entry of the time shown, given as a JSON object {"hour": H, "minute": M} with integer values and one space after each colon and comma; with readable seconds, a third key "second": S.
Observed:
{"hour": 12, "minute": 47}
